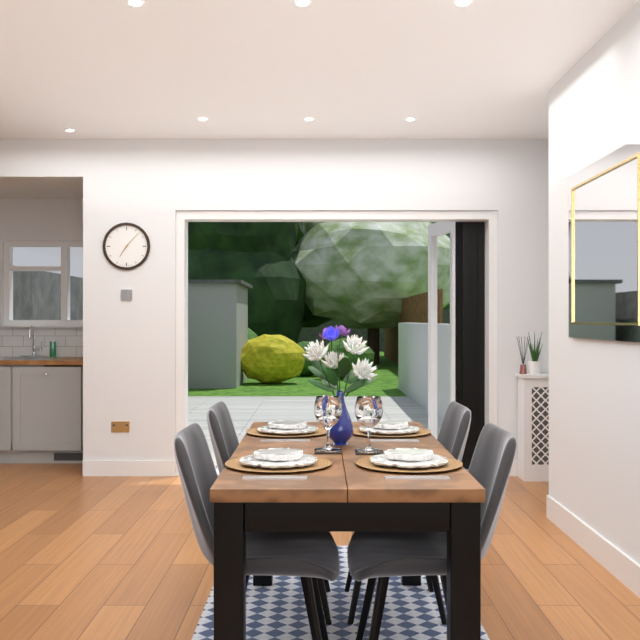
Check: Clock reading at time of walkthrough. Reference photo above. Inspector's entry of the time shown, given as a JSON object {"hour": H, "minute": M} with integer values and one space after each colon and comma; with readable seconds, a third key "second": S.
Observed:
{"hour": 7, "minute": 7}
